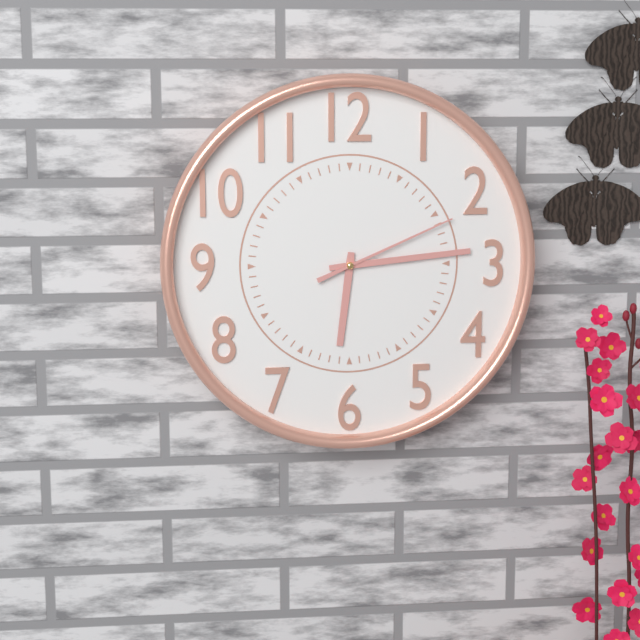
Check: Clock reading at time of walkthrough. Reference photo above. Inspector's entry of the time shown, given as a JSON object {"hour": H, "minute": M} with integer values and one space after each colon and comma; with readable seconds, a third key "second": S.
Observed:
{"hour": 6, "minute": 14, "second": 11}
